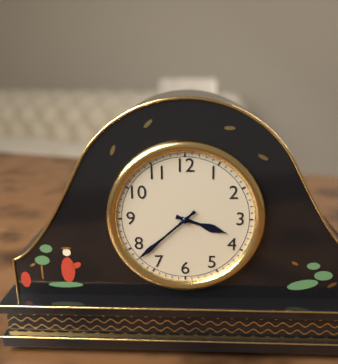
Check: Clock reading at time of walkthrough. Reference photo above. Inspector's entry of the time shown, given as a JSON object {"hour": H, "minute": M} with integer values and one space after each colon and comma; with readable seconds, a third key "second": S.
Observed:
{"hour": 3, "minute": 38}
